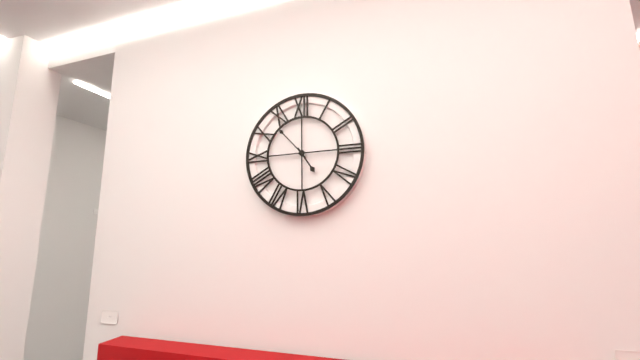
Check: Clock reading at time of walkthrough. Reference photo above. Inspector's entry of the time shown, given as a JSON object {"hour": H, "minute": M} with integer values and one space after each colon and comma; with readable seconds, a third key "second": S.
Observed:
{"hour": 4, "minute": 53}
